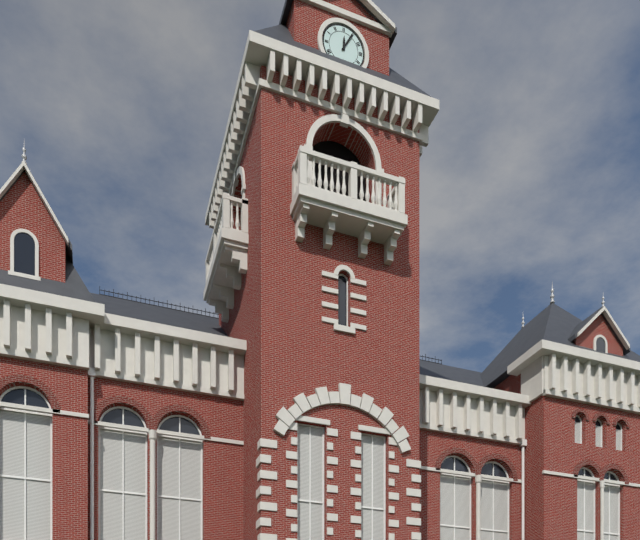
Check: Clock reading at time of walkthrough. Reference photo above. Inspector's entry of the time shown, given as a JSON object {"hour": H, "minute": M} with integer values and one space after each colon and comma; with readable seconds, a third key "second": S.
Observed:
{"hour": 12, "minute": 5}
